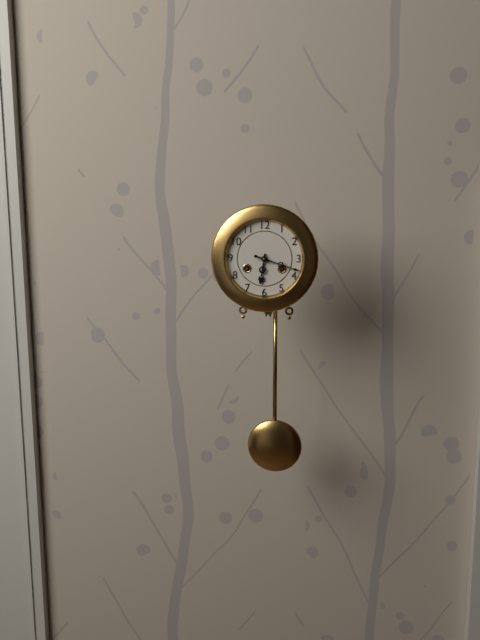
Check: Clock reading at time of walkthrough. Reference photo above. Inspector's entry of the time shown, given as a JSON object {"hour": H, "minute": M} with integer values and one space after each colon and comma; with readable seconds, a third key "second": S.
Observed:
{"hour": 6, "minute": 18}
